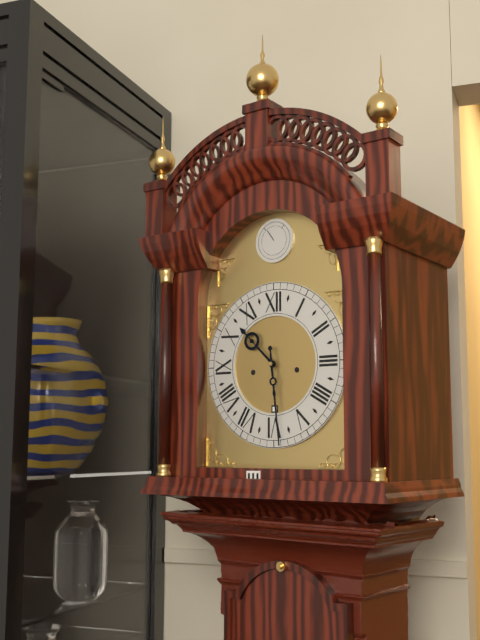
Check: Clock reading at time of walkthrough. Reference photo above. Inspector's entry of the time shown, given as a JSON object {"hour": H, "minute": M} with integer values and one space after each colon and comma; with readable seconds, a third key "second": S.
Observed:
{"hour": 10, "minute": 29}
